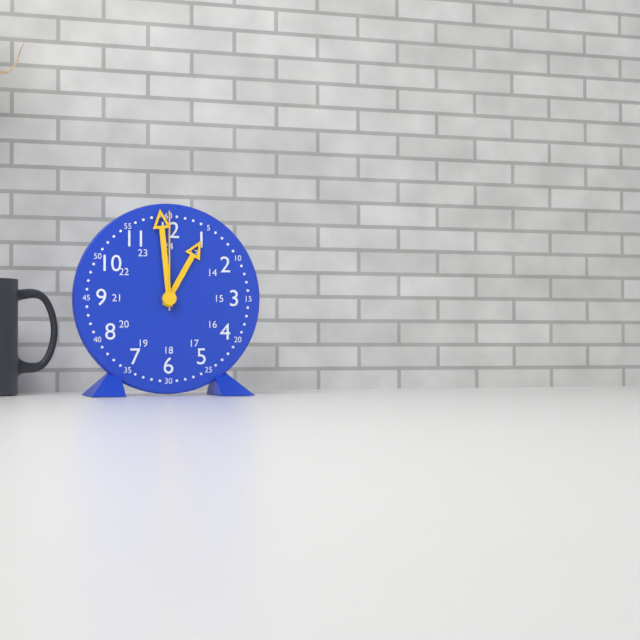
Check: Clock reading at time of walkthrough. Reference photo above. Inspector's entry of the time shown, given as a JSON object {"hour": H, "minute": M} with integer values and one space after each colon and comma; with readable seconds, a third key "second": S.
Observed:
{"hour": 12, "minute": 59, "second": 0}
